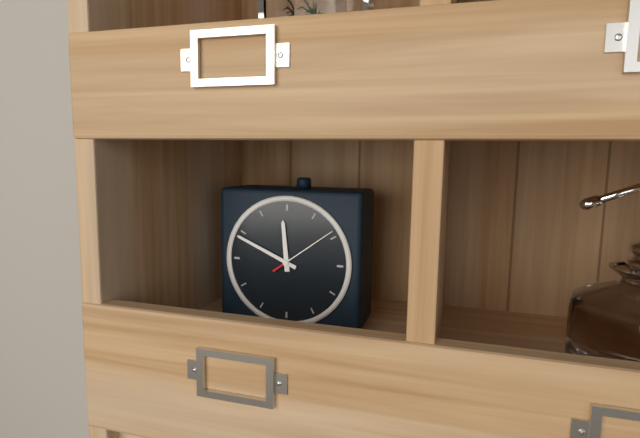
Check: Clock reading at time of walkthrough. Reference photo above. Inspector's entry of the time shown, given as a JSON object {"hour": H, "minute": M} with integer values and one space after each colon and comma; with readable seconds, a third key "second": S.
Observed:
{"hour": 11, "minute": 49, "second": 9}
